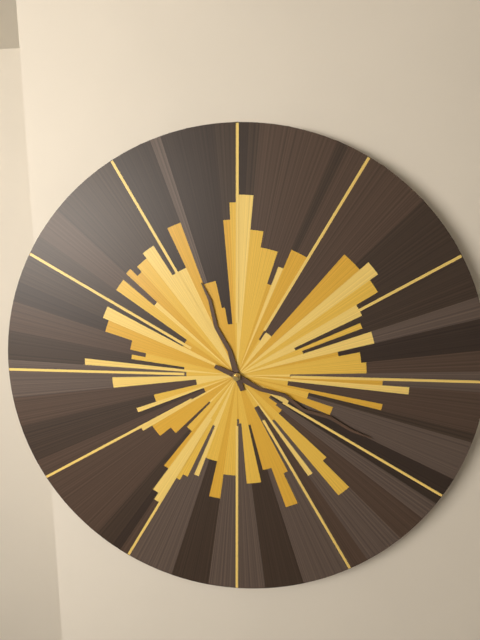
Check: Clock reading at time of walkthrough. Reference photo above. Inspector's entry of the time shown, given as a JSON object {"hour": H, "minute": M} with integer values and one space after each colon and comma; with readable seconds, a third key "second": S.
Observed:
{"hour": 11, "minute": 19}
